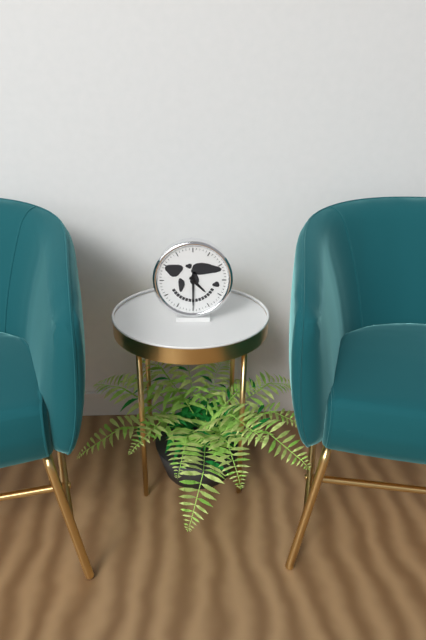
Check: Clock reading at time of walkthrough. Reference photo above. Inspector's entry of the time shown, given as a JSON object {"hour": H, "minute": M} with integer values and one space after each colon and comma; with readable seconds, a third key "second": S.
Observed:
{"hour": 4, "minute": 30}
